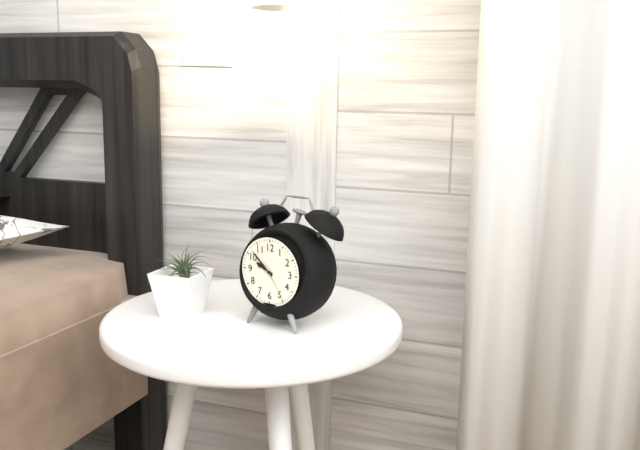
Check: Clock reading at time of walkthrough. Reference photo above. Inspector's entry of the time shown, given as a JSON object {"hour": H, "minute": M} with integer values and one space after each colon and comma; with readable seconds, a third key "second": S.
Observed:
{"hour": 9, "minute": 52}
